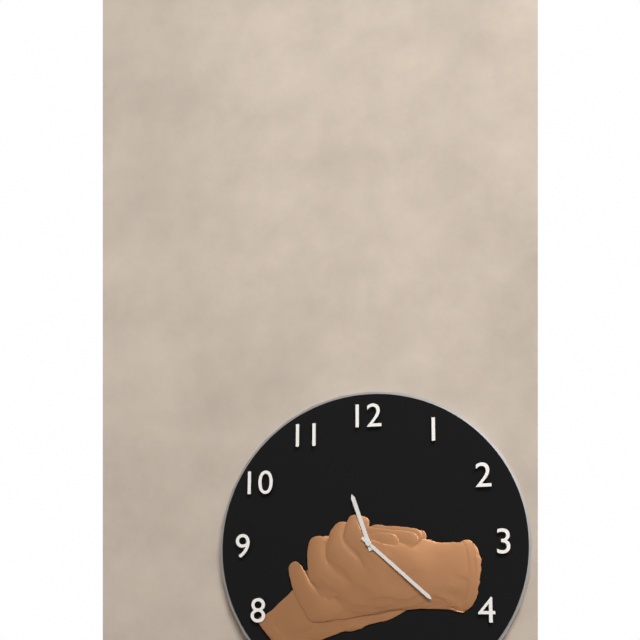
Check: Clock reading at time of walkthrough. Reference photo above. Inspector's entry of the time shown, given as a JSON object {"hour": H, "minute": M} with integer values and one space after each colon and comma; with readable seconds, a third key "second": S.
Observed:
{"hour": 11, "minute": 22}
